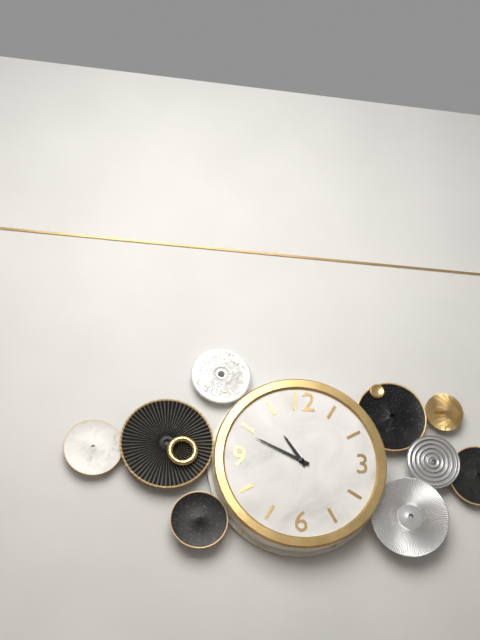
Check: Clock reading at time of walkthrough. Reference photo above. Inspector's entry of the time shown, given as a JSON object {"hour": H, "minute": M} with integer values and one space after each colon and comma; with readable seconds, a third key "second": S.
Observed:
{"hour": 10, "minute": 49}
